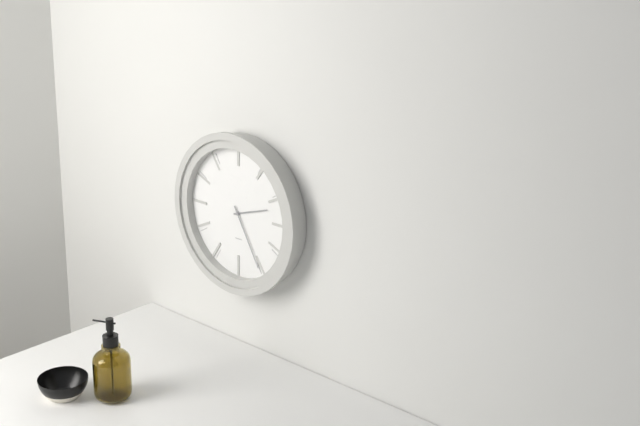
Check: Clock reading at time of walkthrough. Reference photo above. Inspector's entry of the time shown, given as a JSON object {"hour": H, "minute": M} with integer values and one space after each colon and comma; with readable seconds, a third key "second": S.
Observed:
{"hour": 2, "minute": 25}
